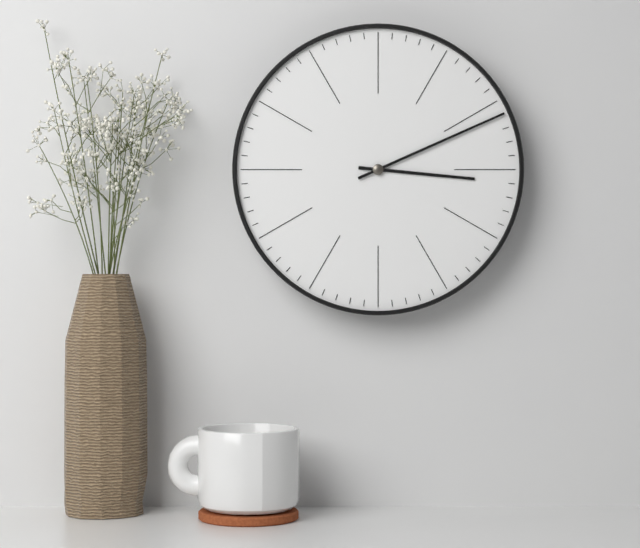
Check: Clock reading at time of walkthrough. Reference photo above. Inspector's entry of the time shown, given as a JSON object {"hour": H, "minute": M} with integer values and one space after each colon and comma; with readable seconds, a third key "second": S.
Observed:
{"hour": 3, "minute": 11}
